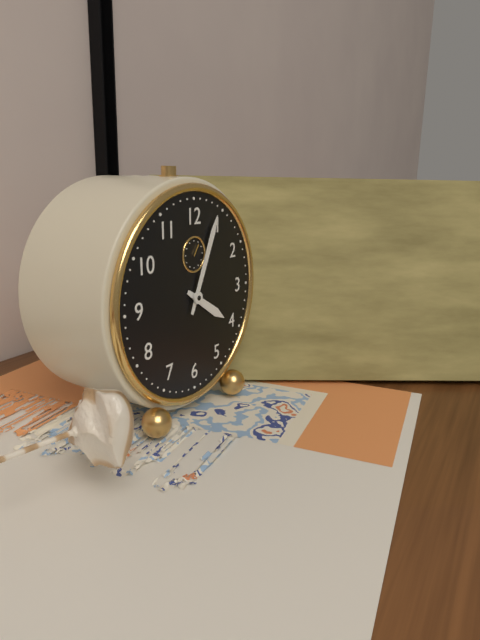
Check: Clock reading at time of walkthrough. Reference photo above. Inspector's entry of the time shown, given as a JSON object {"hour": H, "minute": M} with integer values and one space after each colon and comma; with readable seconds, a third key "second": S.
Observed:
{"hour": 4, "minute": 4}
